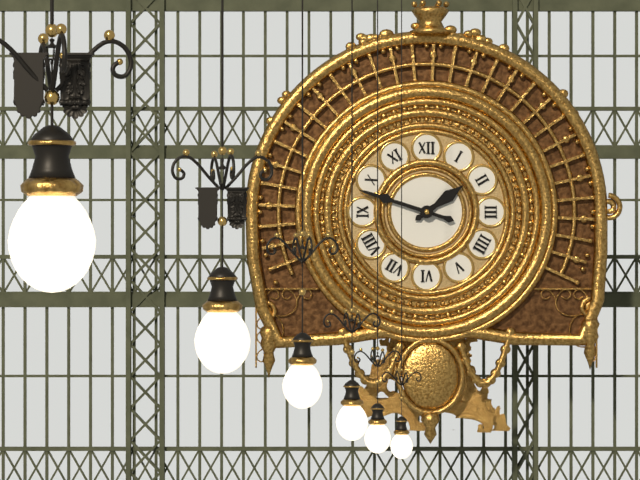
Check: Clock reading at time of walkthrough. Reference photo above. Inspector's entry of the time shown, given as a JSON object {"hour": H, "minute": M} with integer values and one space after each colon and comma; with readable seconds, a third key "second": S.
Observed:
{"hour": 1, "minute": 48}
